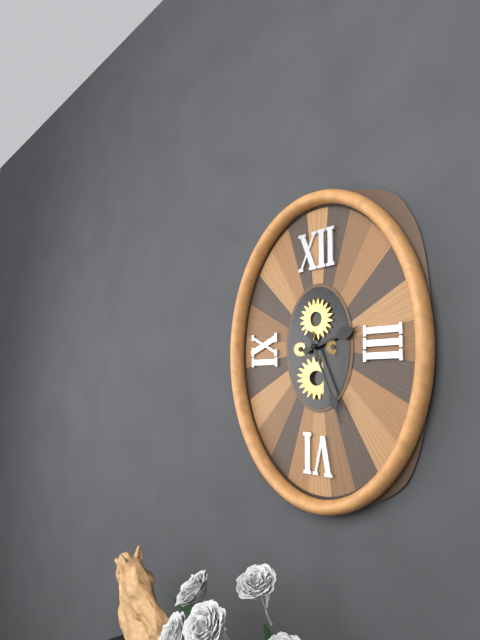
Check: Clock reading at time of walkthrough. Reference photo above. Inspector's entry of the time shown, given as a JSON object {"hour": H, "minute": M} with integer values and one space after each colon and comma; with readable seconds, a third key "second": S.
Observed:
{"hour": 2, "minute": 26}
